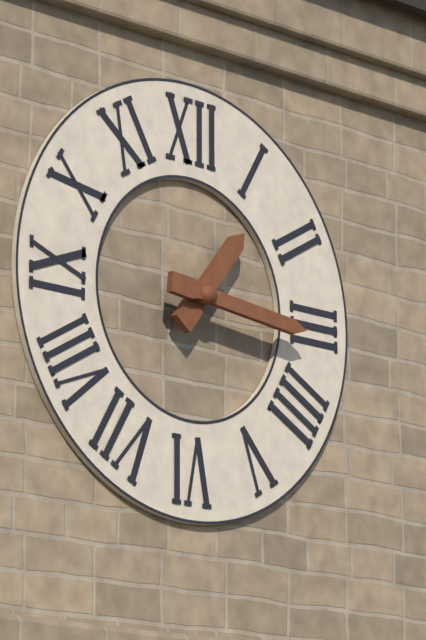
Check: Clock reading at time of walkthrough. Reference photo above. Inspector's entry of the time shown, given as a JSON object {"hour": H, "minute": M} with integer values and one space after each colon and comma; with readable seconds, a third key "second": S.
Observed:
{"hour": 1, "minute": 16}
